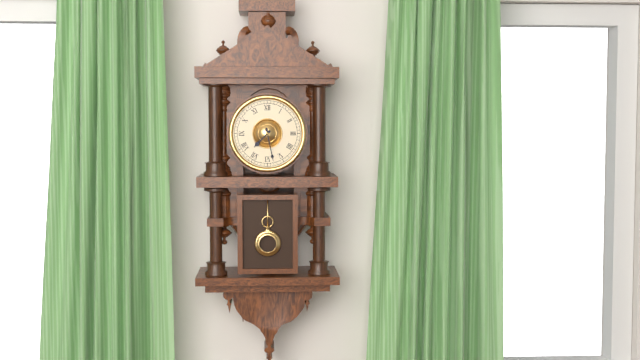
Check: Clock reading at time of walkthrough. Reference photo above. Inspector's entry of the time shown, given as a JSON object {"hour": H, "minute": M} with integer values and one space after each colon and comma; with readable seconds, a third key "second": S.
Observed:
{"hour": 7, "minute": 28}
